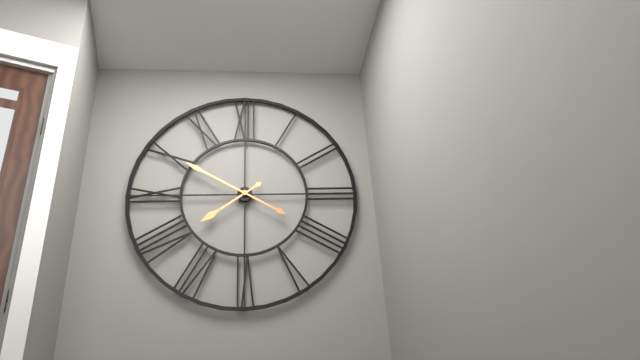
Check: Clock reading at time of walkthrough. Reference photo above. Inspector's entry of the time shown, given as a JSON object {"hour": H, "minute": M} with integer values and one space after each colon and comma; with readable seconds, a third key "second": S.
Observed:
{"hour": 7, "minute": 50}
